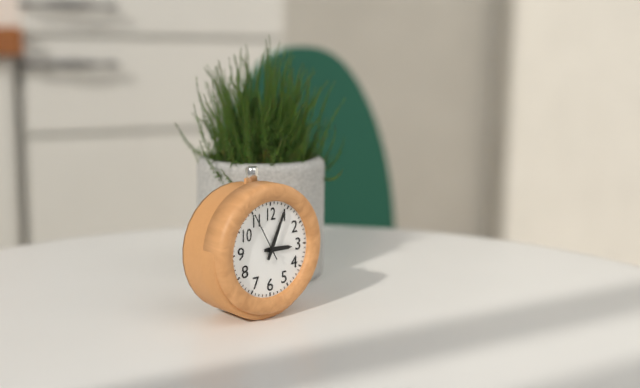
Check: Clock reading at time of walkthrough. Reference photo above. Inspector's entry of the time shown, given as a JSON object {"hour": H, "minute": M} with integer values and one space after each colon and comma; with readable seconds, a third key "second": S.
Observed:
{"hour": 3, "minute": 4}
